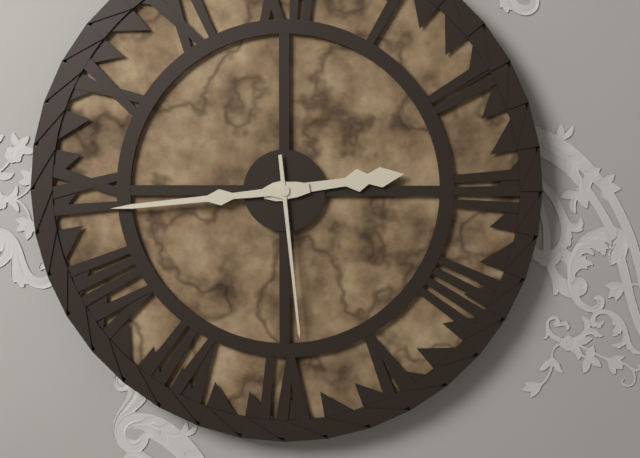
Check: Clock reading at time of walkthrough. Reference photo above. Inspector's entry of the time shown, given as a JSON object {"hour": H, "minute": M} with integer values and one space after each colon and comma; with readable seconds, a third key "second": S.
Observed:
{"hour": 2, "minute": 44, "second": 29}
